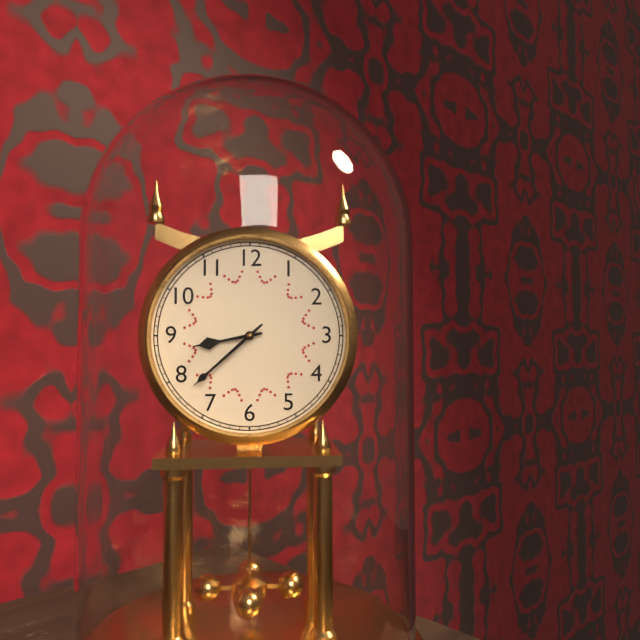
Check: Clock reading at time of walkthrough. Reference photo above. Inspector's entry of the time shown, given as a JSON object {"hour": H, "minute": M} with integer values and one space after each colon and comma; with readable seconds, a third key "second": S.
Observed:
{"hour": 8, "minute": 38}
